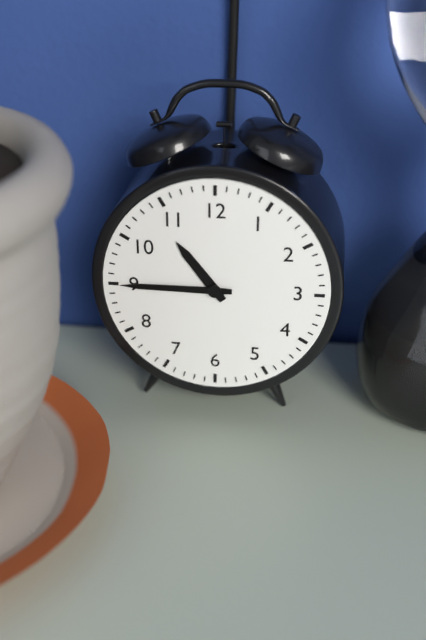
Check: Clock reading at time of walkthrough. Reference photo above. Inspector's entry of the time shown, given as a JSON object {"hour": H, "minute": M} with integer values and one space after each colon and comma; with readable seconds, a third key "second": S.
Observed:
{"hour": 10, "minute": 45}
